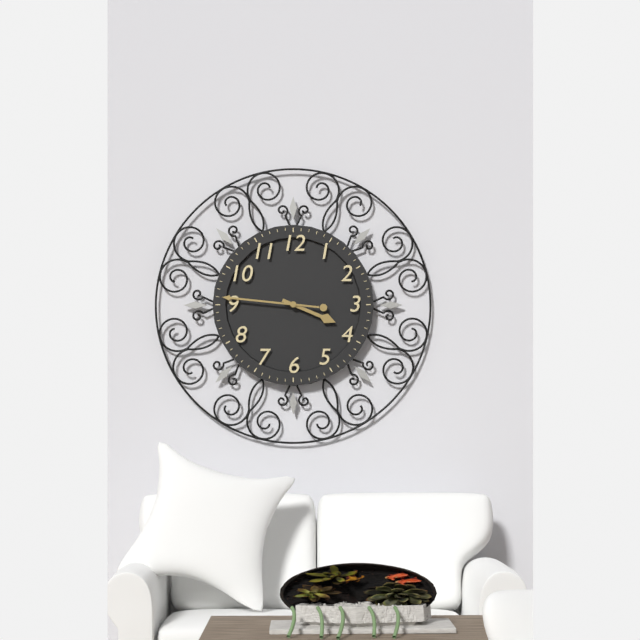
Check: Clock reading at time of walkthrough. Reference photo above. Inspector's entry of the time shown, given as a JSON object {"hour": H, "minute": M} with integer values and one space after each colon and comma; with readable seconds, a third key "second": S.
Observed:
{"hour": 3, "minute": 46}
